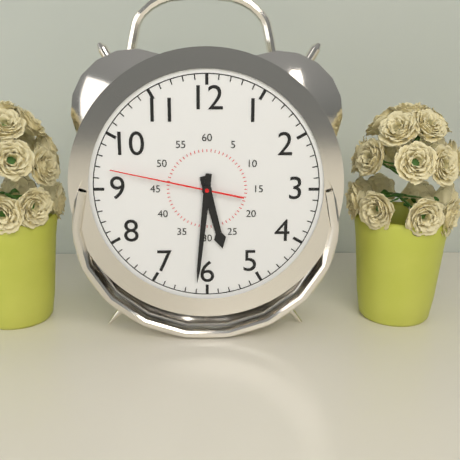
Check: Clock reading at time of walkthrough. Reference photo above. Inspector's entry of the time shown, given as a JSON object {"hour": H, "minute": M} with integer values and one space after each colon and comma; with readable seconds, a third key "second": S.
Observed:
{"hour": 5, "minute": 31, "second": 47}
